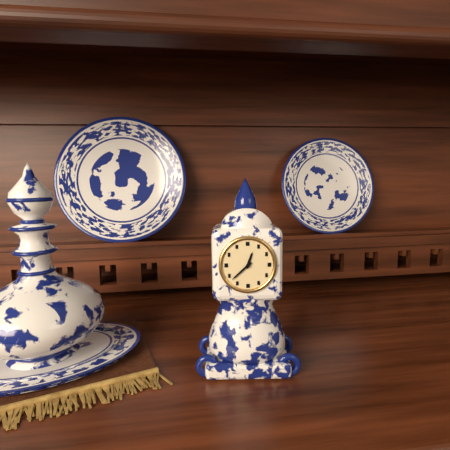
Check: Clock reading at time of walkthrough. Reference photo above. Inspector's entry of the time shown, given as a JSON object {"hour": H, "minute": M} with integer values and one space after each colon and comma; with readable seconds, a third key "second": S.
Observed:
{"hour": 12, "minute": 38}
